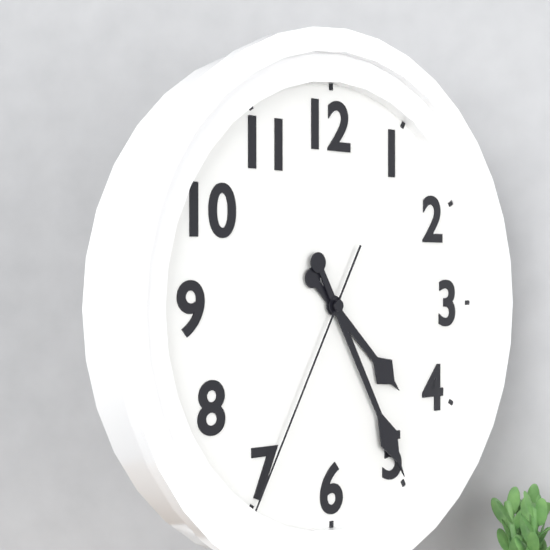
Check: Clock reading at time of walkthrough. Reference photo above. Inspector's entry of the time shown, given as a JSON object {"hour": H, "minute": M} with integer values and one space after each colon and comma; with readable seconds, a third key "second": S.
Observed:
{"hour": 4, "minute": 25, "second": 35}
